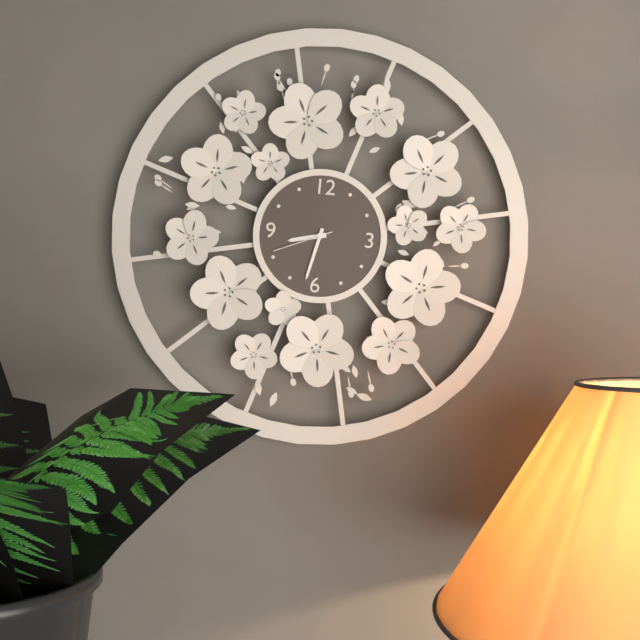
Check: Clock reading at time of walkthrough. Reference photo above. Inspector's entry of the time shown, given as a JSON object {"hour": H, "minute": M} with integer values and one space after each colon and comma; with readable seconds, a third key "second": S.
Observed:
{"hour": 8, "minute": 32, "second": 41}
